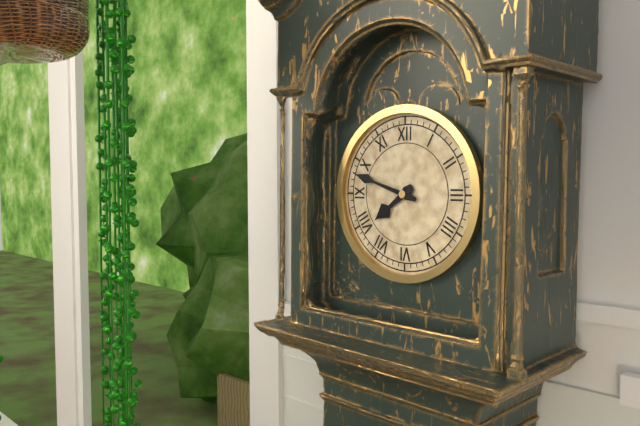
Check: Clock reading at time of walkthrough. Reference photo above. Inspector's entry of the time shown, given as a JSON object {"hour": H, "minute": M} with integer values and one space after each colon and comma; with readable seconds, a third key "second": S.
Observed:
{"hour": 7, "minute": 48}
